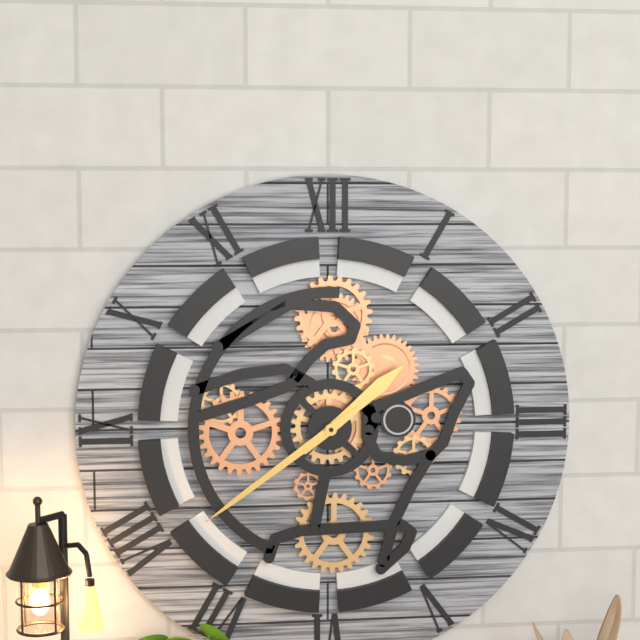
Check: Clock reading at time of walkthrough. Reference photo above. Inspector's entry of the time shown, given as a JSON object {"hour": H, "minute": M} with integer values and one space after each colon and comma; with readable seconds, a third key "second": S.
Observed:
{"hour": 1, "minute": 39}
